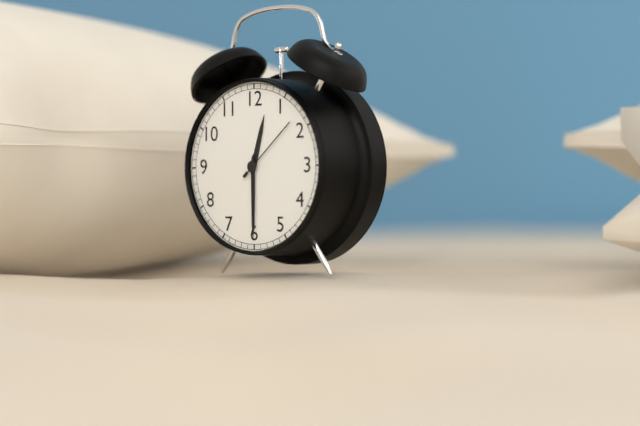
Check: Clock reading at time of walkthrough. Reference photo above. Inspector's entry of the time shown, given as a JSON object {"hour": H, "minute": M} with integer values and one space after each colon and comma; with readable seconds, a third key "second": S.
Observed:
{"hour": 12, "minute": 30, "second": 8}
